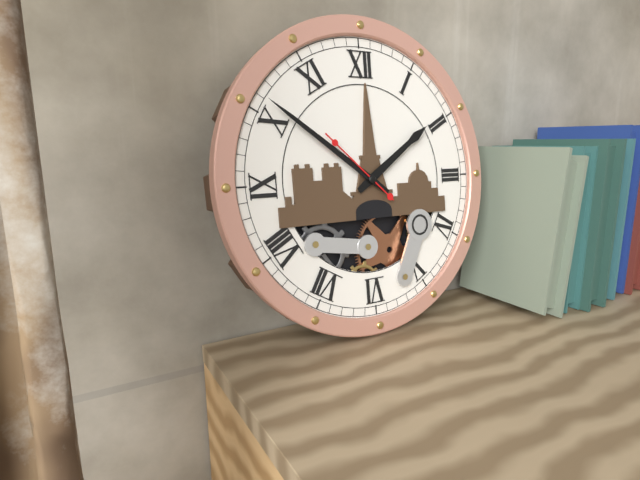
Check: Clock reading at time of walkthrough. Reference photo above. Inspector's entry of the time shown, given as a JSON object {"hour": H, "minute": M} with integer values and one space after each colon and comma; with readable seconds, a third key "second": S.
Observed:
{"hour": 1, "minute": 51, "second": 52}
